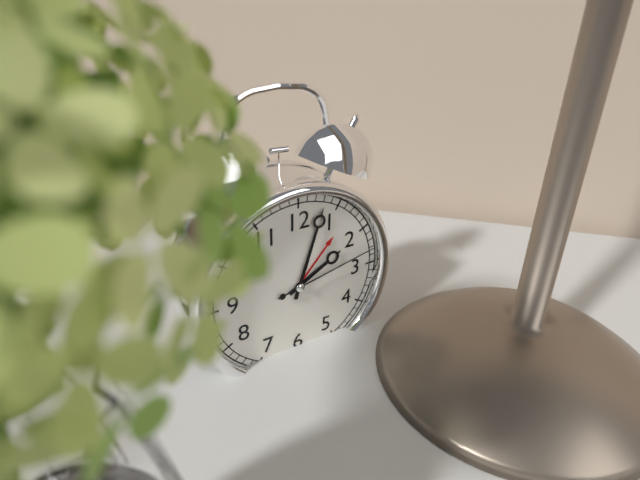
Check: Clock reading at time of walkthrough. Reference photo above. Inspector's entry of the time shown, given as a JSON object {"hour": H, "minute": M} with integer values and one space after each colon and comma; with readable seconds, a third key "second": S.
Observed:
{"hour": 2, "minute": 3, "second": 13}
